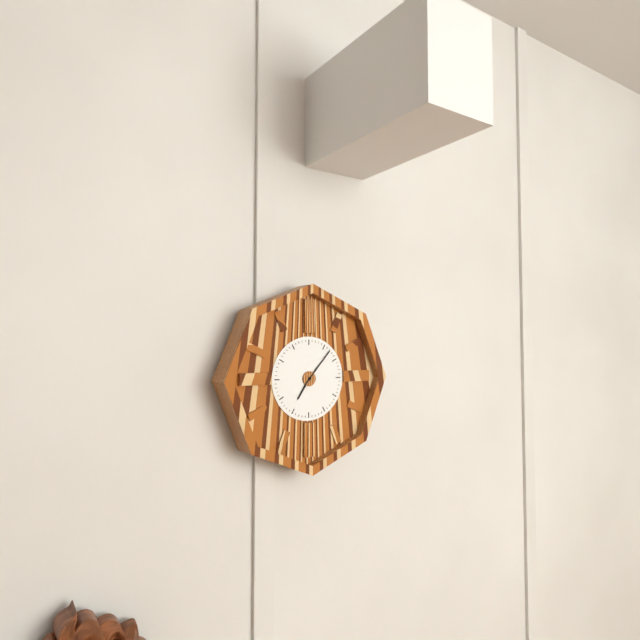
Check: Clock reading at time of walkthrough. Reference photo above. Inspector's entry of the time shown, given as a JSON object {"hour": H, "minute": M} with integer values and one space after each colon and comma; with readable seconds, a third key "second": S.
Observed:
{"hour": 7, "minute": 7}
